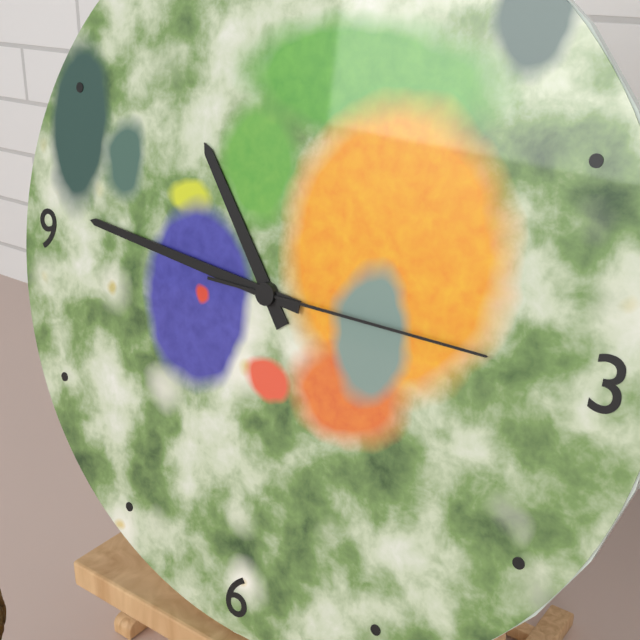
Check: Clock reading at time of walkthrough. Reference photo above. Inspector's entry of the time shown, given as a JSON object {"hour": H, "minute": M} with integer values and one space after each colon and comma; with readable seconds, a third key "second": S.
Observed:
{"hour": 10, "minute": 46, "second": 15}
